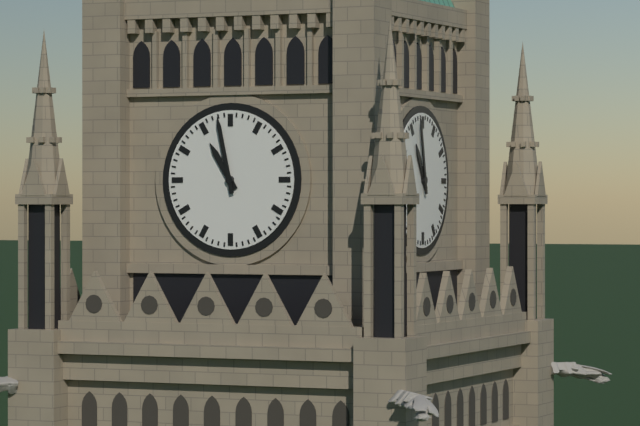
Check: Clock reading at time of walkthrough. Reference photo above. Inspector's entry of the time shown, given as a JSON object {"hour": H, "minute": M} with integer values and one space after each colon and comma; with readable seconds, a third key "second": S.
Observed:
{"hour": 10, "minute": 58}
